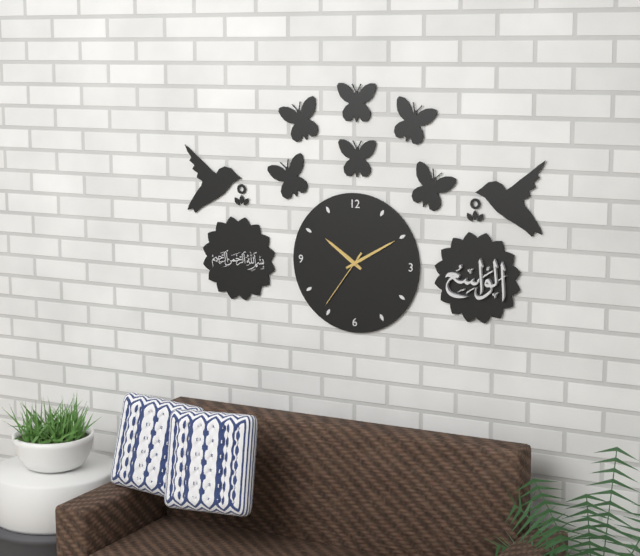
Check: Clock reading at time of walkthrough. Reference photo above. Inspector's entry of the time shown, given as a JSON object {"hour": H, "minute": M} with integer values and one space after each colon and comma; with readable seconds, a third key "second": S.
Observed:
{"hour": 10, "minute": 10, "second": 36}
